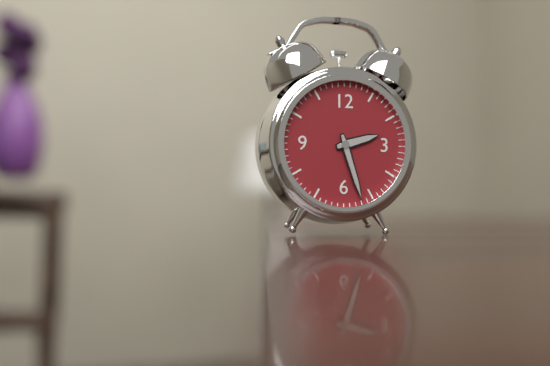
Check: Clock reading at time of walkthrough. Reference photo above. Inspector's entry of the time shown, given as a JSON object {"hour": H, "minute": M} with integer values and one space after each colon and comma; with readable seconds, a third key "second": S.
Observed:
{"hour": 2, "minute": 27}
